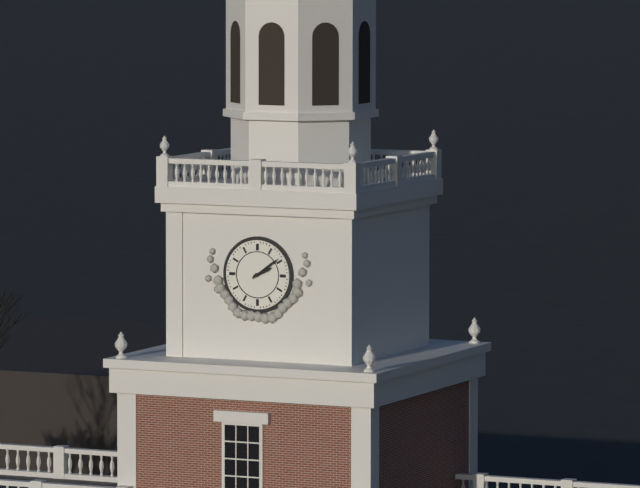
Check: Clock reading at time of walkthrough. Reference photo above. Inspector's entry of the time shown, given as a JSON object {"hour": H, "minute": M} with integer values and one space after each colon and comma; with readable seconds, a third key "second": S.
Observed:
{"hour": 2, "minute": 9}
